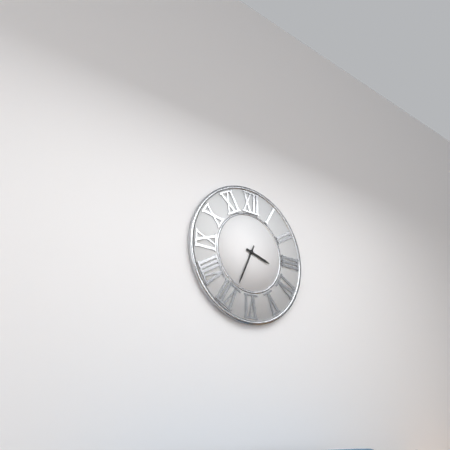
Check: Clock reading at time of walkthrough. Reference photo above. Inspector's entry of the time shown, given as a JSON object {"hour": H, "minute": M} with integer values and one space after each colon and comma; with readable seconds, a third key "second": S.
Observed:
{"hour": 3, "minute": 34}
